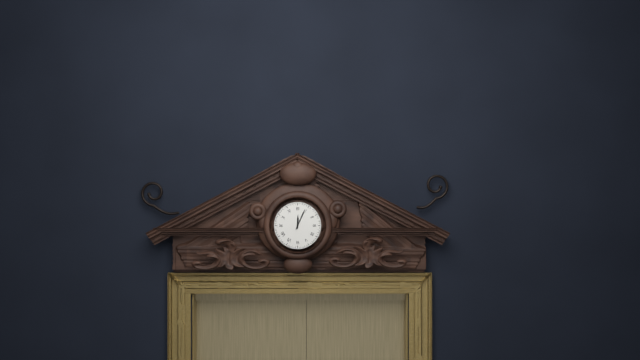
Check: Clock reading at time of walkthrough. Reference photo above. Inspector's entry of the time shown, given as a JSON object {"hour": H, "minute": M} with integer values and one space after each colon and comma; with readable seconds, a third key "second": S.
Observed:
{"hour": 12, "minute": 4}
